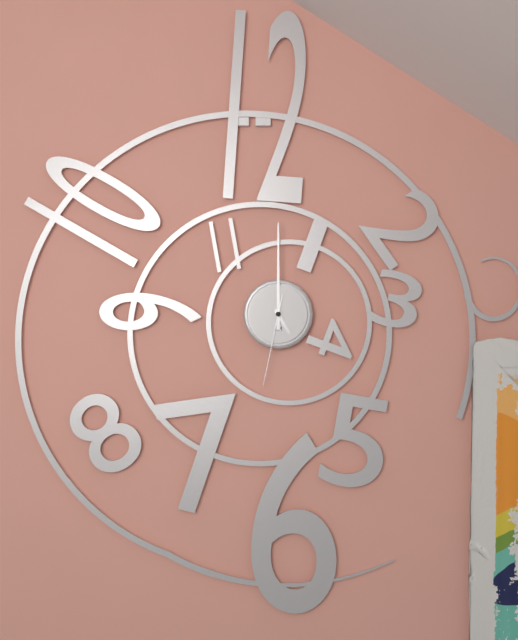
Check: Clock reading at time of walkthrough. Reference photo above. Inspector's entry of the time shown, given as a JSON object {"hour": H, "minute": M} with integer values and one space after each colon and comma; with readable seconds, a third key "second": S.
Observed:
{"hour": 5, "minute": 0, "second": 32}
